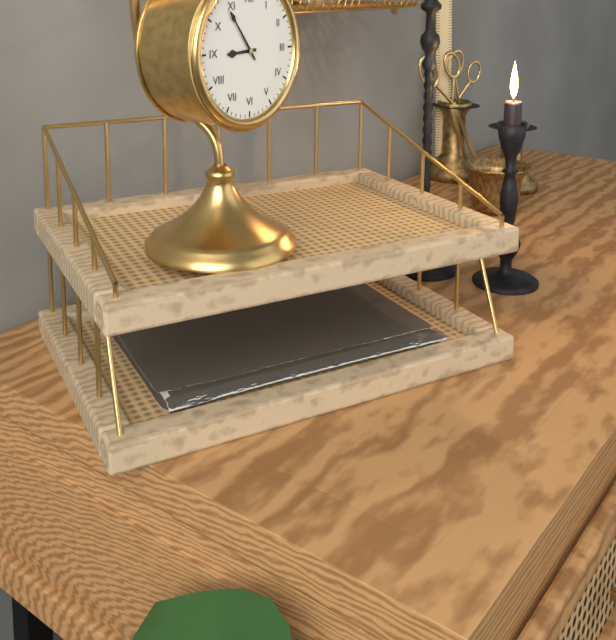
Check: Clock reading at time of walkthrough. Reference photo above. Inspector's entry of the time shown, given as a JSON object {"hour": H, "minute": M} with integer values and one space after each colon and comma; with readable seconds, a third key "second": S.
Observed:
{"hour": 8, "minute": 54}
